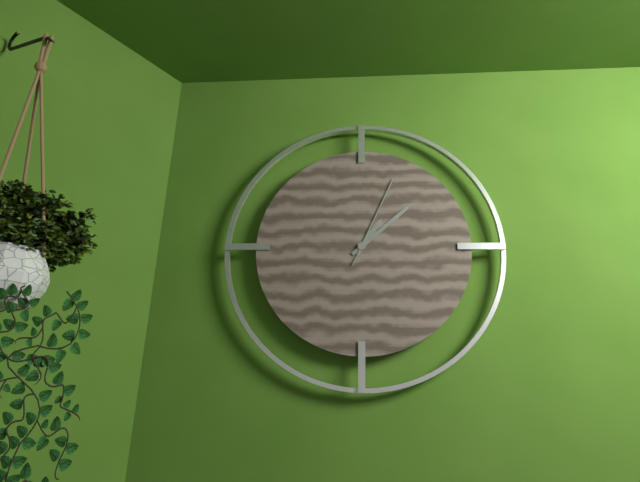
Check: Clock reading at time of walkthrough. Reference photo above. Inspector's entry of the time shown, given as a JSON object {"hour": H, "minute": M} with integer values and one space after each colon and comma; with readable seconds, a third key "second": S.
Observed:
{"hour": 1, "minute": 8, "second": 4}
